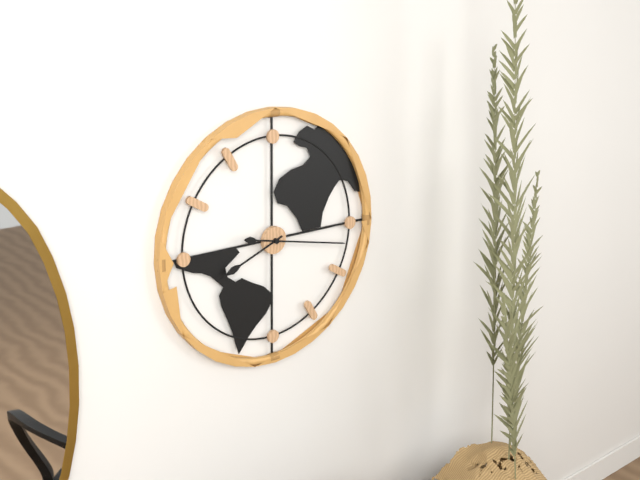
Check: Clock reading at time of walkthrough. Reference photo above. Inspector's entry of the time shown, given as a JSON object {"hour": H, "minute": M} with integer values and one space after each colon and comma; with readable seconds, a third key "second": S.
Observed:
{"hour": 8, "minute": 17}
